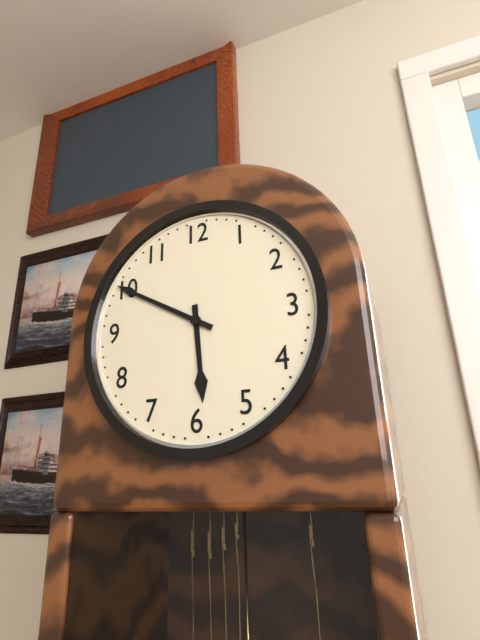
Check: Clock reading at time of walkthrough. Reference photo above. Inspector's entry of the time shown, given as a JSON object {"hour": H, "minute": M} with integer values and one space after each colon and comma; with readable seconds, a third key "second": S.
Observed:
{"hour": 5, "minute": 50}
